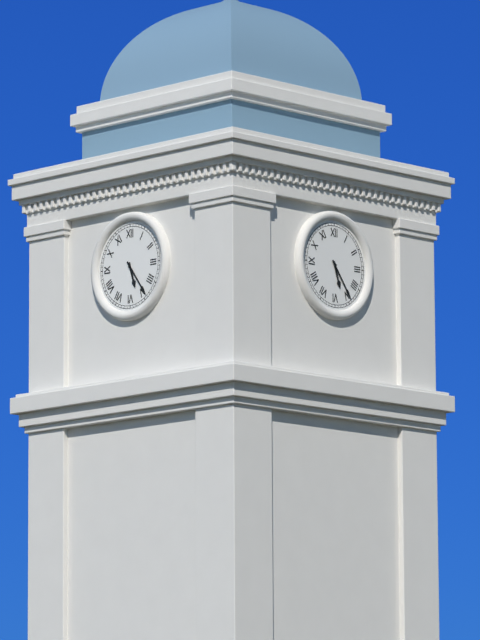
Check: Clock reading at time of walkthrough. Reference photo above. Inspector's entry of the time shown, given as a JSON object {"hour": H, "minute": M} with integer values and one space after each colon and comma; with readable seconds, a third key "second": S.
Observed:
{"hour": 5, "minute": 24}
